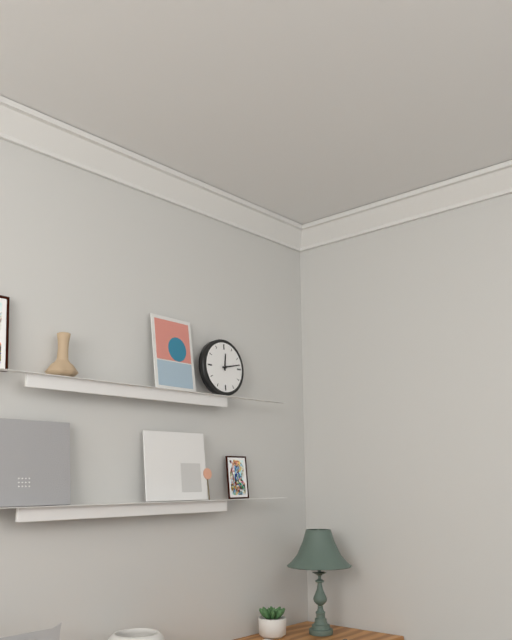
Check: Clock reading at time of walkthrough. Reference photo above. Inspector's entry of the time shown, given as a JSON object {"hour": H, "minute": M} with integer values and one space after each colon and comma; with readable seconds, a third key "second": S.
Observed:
{"hour": 12, "minute": 13}
